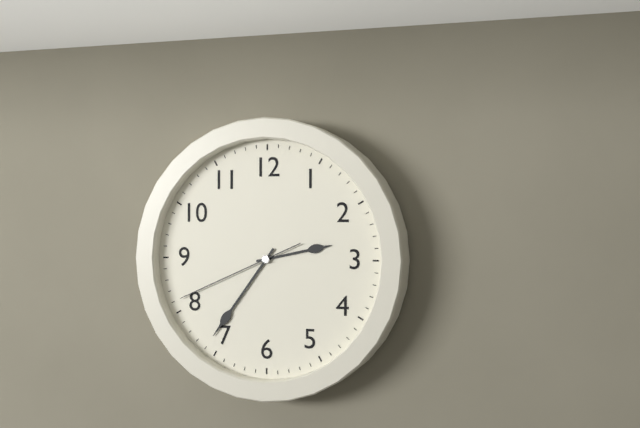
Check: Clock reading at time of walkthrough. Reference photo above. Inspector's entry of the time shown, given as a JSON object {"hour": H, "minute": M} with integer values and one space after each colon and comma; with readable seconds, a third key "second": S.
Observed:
{"hour": 2, "minute": 36, "second": 41}
